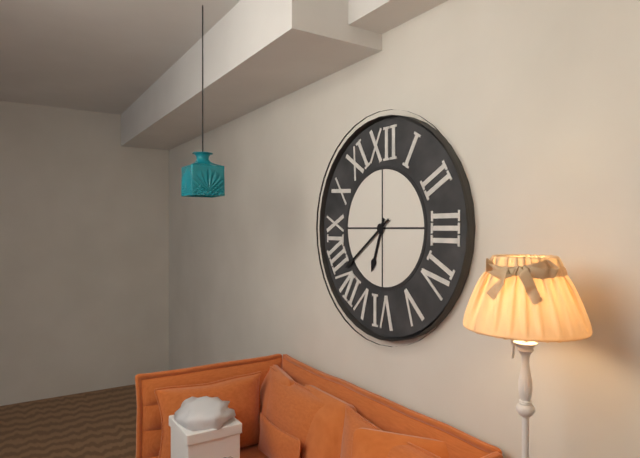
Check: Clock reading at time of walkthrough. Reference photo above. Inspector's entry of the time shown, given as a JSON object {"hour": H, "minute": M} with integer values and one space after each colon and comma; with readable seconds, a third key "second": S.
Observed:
{"hour": 6, "minute": 39}
